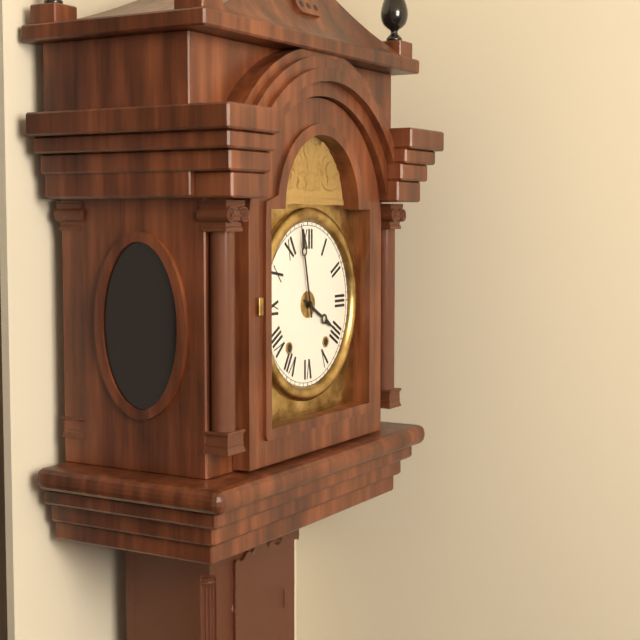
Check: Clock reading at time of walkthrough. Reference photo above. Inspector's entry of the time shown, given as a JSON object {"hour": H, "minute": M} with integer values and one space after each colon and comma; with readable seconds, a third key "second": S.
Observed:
{"hour": 3, "minute": 58}
